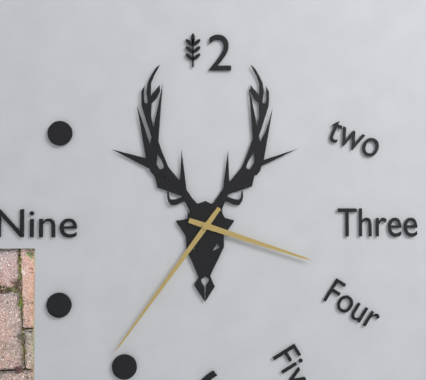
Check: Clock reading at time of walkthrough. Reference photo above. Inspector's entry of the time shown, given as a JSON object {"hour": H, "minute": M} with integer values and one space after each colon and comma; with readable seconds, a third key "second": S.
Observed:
{"hour": 3, "minute": 36}
